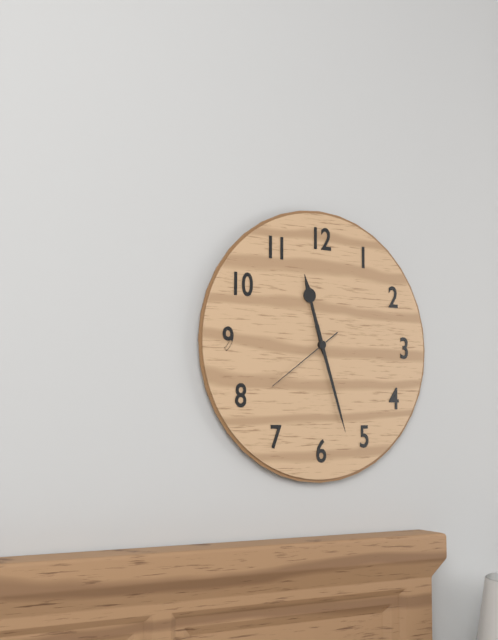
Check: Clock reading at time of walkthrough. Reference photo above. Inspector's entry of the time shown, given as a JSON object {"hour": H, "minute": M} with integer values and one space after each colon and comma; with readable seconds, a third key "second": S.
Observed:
{"hour": 11, "minute": 27, "second": 39}
